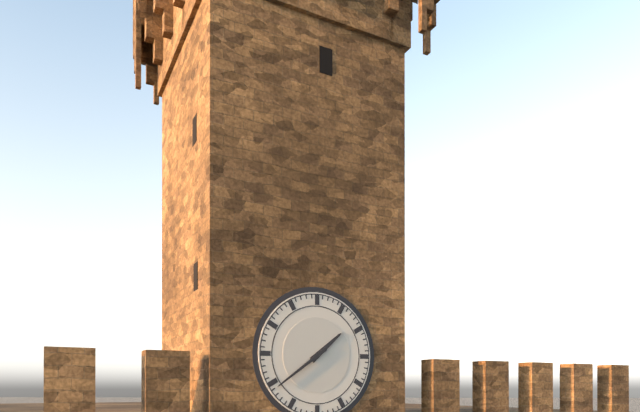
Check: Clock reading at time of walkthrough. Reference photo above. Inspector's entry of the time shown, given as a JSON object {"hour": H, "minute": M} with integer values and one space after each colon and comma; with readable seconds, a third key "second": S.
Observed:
{"hour": 1, "minute": 39}
